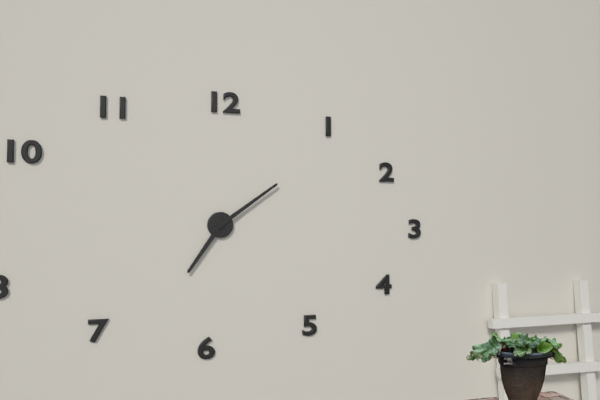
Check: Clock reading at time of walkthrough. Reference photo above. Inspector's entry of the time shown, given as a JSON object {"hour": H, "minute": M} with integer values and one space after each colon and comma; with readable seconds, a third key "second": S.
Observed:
{"hour": 7, "minute": 9}
